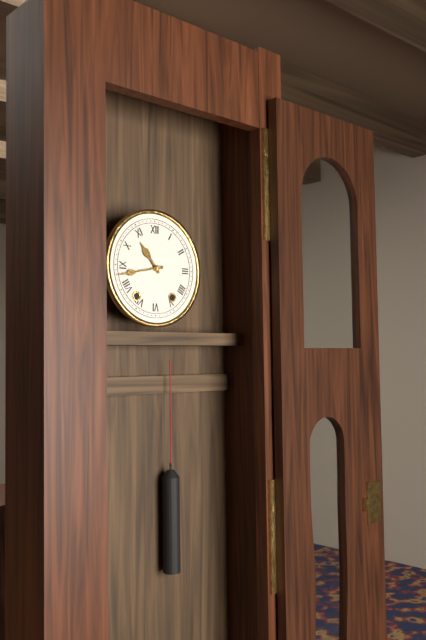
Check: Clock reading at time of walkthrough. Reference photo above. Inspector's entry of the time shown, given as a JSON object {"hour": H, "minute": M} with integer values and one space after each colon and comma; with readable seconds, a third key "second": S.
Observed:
{"hour": 10, "minute": 43}
